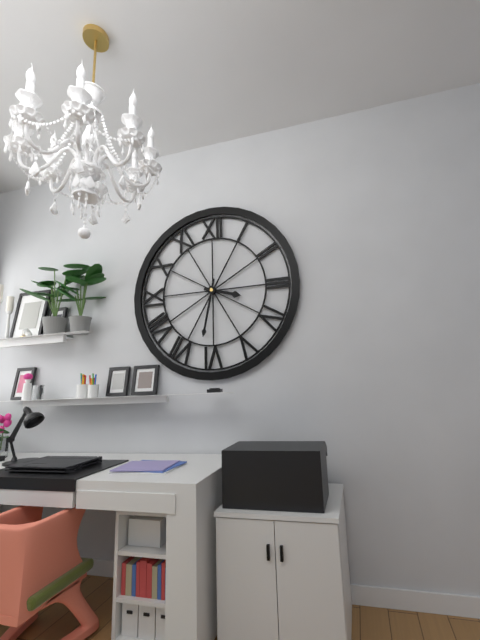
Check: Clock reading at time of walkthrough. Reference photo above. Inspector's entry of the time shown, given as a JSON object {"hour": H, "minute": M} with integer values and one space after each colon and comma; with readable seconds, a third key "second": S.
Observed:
{"hour": 3, "minute": 32}
